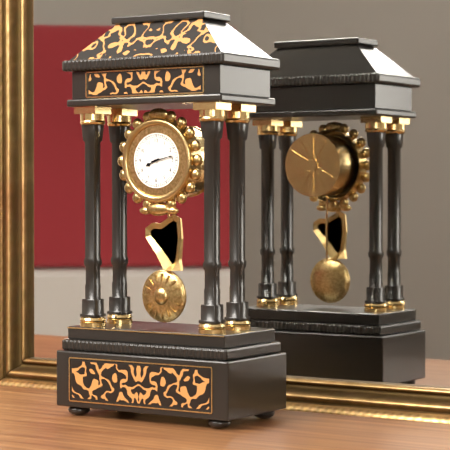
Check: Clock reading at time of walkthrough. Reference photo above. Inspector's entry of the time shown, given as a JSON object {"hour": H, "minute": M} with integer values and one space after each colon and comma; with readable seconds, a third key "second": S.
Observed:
{"hour": 8, "minute": 13}
